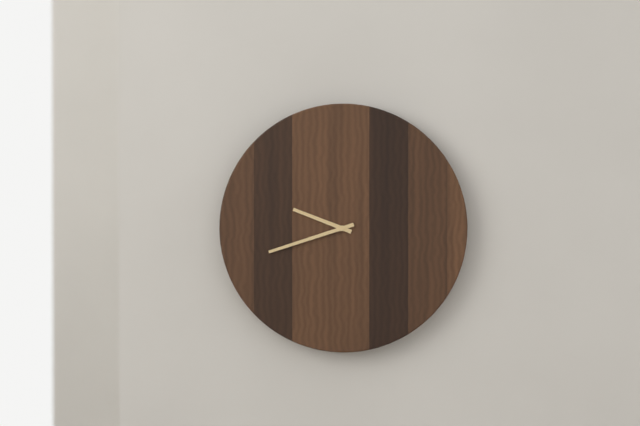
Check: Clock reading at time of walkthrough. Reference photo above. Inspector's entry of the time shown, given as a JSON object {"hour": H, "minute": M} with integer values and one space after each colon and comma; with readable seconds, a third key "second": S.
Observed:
{"hour": 9, "minute": 42}
